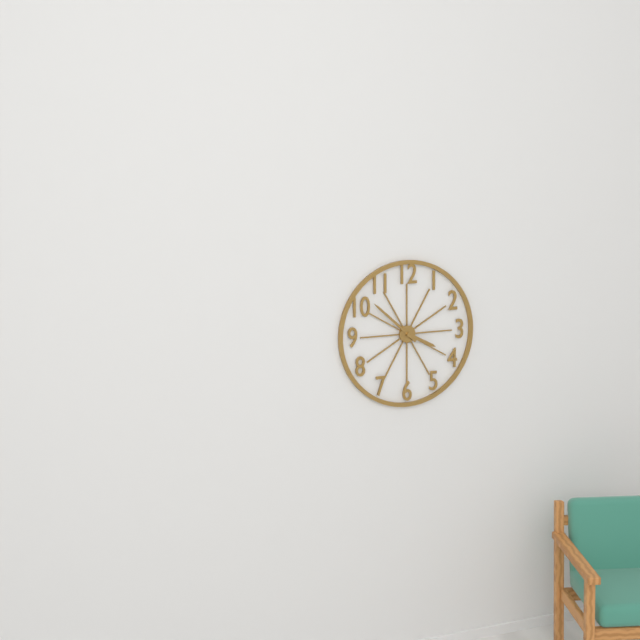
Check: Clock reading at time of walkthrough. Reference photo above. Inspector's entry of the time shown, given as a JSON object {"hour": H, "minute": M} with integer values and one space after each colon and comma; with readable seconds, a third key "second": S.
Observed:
{"hour": 3, "minute": 52}
